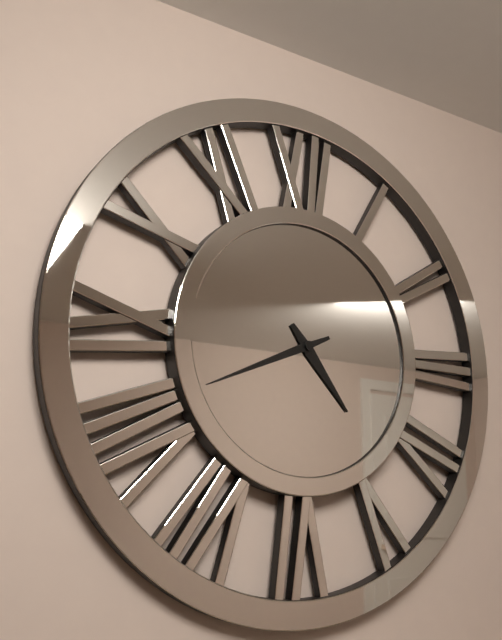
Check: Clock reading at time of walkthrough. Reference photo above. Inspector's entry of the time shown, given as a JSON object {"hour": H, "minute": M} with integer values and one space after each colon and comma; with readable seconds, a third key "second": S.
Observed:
{"hour": 4, "minute": 41}
